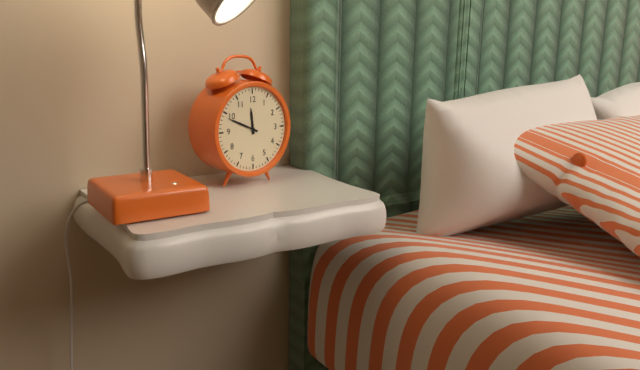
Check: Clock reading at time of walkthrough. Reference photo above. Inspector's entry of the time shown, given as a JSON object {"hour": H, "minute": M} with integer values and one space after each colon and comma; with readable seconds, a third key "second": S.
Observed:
{"hour": 11, "minute": 49}
